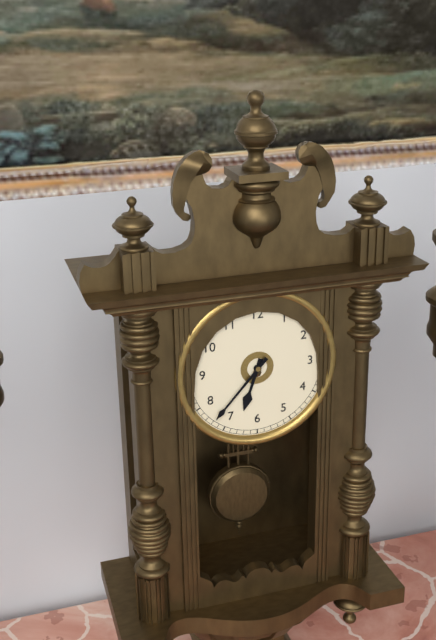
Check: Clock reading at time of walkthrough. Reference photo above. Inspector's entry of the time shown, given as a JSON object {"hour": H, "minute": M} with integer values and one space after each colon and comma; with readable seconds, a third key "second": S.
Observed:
{"hour": 6, "minute": 37}
